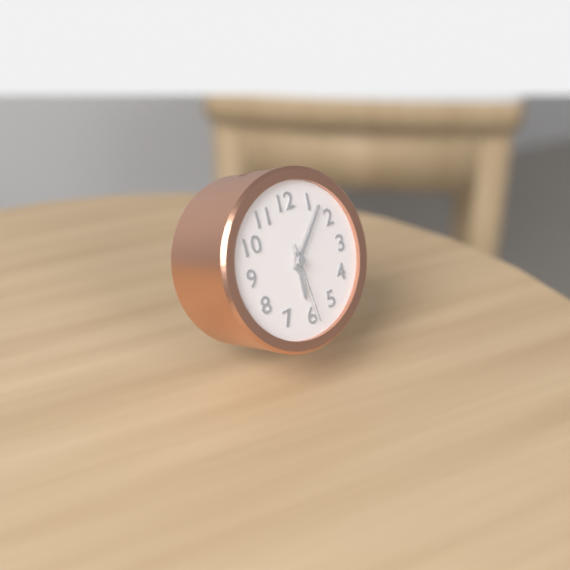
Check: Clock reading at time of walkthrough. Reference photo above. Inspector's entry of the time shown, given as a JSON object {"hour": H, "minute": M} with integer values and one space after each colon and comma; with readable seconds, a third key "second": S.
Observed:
{"hour": 6, "minute": 7, "second": 29}
